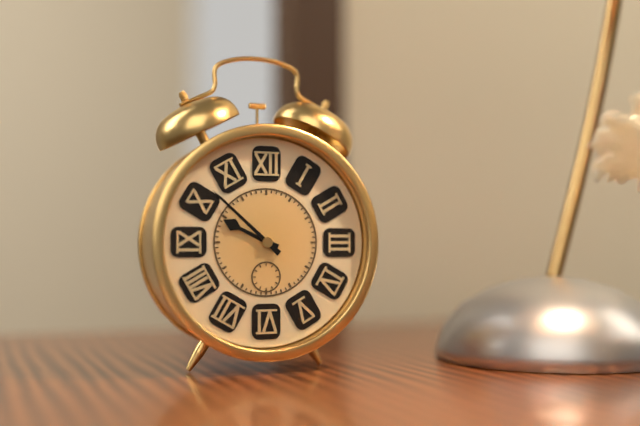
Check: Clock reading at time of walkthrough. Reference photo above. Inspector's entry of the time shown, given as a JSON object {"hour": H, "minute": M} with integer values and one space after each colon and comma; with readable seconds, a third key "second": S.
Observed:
{"hour": 9, "minute": 52}
